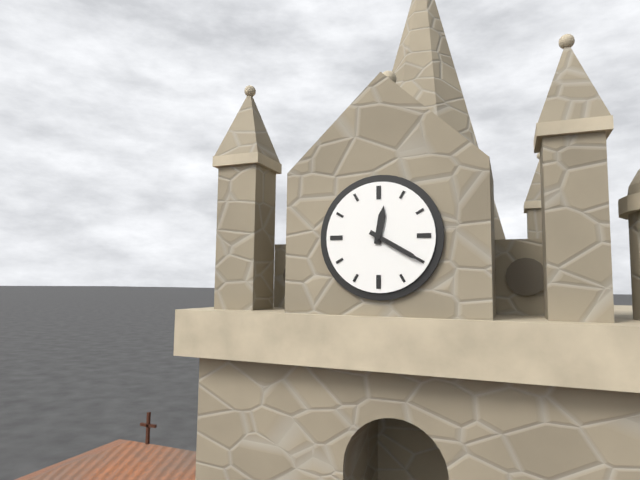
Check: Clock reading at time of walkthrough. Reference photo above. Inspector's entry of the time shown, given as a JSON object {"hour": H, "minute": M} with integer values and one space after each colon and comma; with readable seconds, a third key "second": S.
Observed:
{"hour": 12, "minute": 20}
